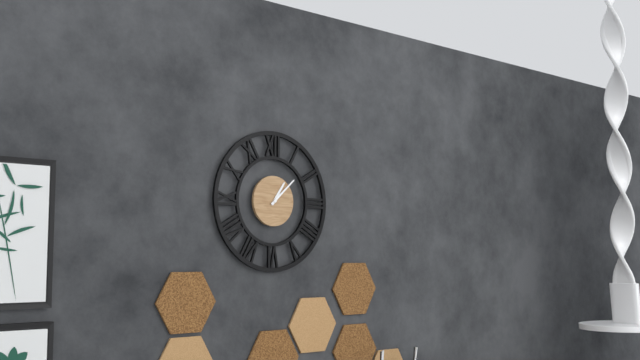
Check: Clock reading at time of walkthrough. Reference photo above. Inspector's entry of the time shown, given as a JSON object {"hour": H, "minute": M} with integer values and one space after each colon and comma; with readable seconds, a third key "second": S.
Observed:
{"hour": 1, "minute": 8}
